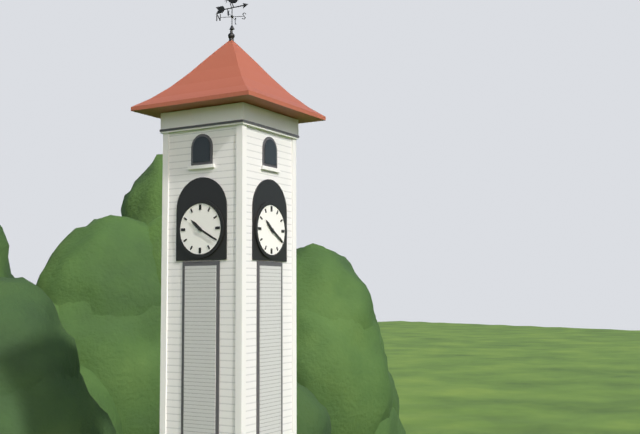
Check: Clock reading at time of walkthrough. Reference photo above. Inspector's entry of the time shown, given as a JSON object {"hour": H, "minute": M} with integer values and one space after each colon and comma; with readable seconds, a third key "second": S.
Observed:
{"hour": 10, "minute": 20}
